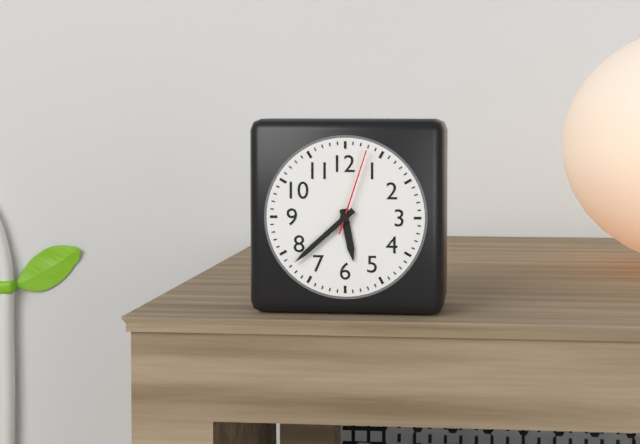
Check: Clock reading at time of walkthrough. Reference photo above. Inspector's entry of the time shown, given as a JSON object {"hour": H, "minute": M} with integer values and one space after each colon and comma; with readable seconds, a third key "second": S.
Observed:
{"hour": 5, "minute": 38, "second": 3}
